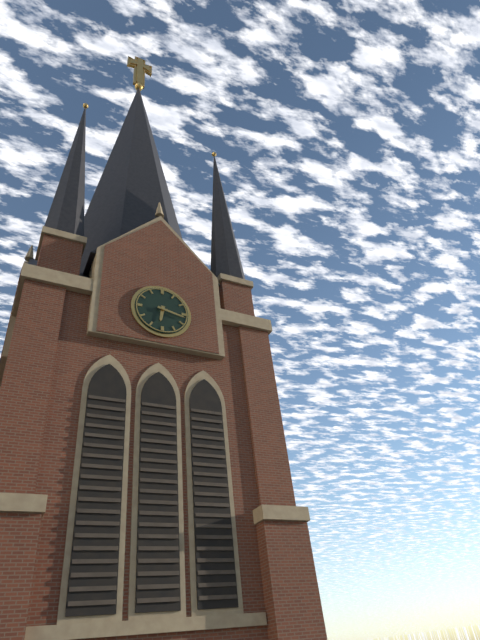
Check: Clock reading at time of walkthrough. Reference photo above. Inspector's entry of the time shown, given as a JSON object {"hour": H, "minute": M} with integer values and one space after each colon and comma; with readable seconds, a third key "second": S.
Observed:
{"hour": 6, "minute": 17}
